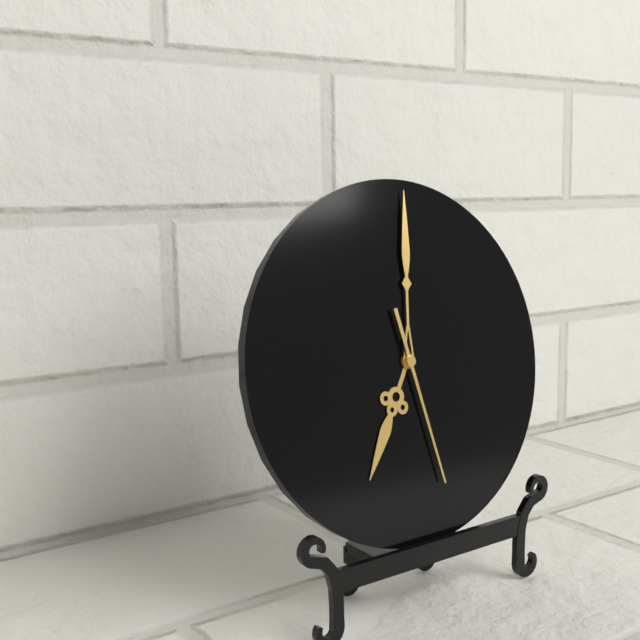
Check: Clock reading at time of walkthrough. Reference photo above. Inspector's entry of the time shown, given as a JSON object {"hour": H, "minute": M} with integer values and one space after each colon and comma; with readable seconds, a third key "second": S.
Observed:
{"hour": 7, "minute": 1, "second": 28}
